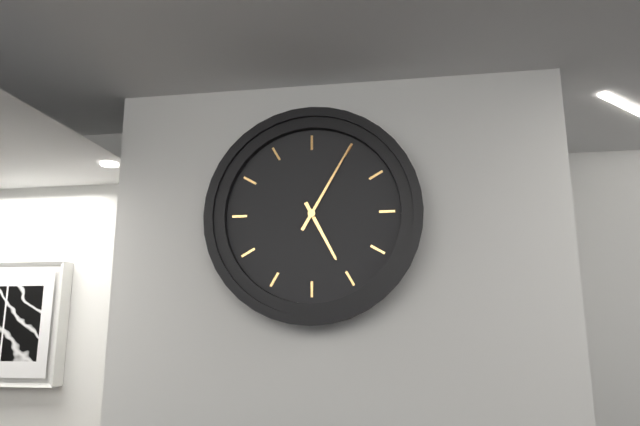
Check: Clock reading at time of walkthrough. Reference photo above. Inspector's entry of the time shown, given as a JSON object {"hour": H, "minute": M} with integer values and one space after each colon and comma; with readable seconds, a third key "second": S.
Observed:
{"hour": 5, "minute": 5}
